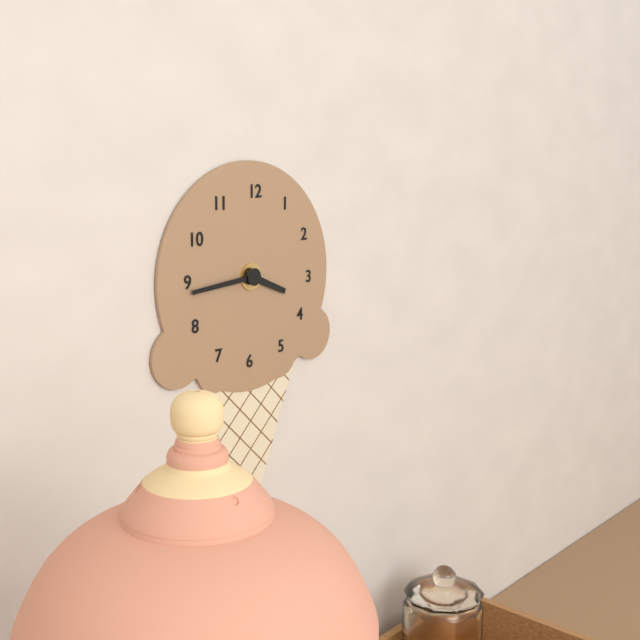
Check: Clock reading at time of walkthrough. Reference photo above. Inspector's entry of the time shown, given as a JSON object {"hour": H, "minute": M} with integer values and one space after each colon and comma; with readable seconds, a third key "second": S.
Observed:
{"hour": 3, "minute": 44}
